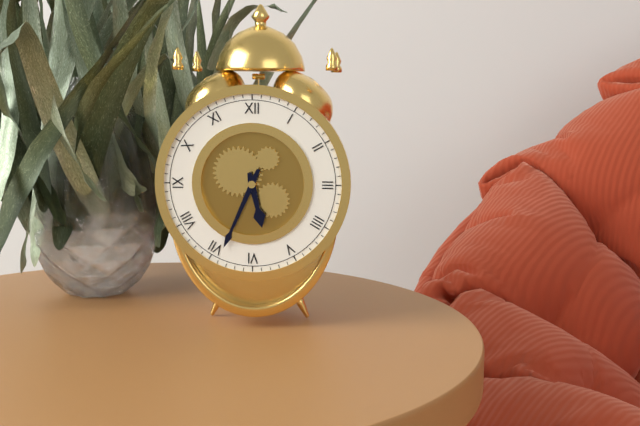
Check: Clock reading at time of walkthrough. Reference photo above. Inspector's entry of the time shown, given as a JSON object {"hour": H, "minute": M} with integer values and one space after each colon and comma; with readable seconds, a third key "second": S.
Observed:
{"hour": 5, "minute": 34}
